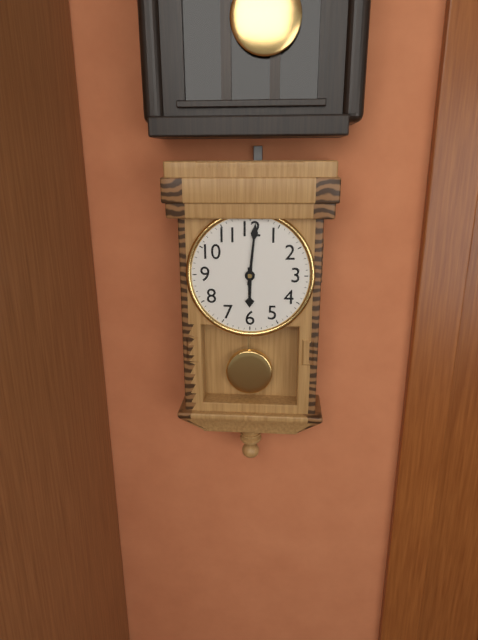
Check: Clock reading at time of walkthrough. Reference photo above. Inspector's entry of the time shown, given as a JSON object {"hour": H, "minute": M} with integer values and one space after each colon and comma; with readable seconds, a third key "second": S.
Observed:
{"hour": 6, "minute": 1}
